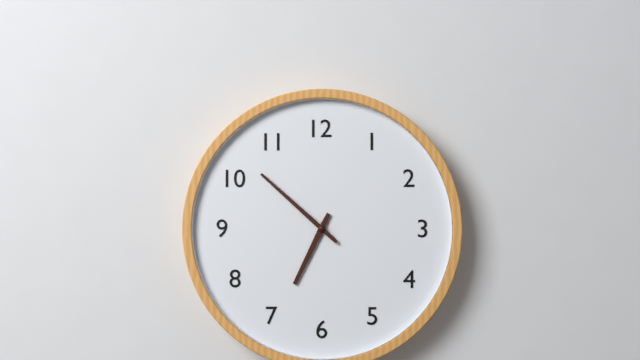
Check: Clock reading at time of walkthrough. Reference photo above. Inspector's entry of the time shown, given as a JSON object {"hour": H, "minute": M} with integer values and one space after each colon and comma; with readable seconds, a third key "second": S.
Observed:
{"hour": 6, "minute": 52}
